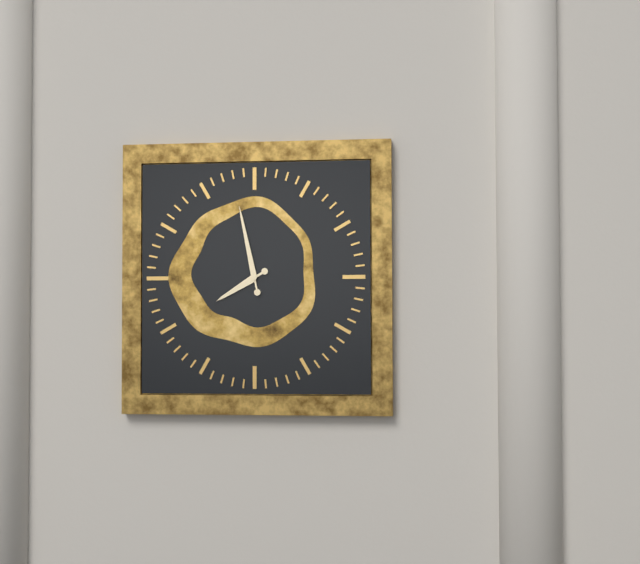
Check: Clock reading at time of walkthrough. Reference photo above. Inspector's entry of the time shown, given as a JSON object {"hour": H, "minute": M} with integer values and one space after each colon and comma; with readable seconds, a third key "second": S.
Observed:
{"hour": 7, "minute": 58}
